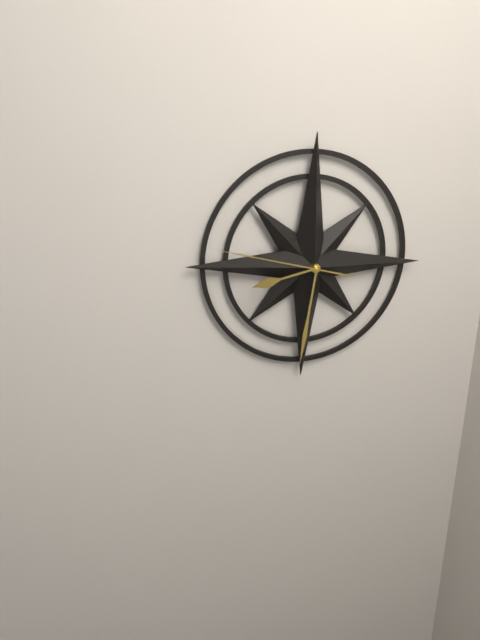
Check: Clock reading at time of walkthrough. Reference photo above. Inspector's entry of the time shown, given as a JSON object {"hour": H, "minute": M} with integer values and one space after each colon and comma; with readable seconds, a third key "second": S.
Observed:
{"hour": 8, "minute": 31, "second": 47}
